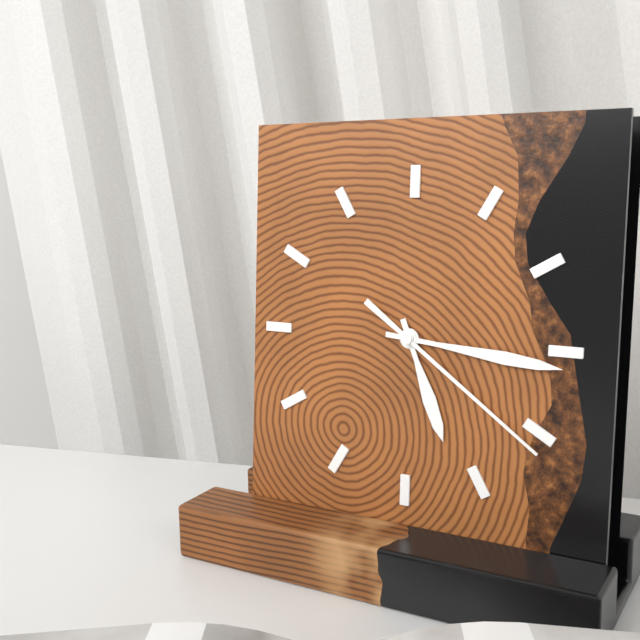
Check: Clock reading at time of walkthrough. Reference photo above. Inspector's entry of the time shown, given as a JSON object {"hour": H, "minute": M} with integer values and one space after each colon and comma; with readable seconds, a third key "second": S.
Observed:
{"hour": 5, "minute": 16, "second": 21}
